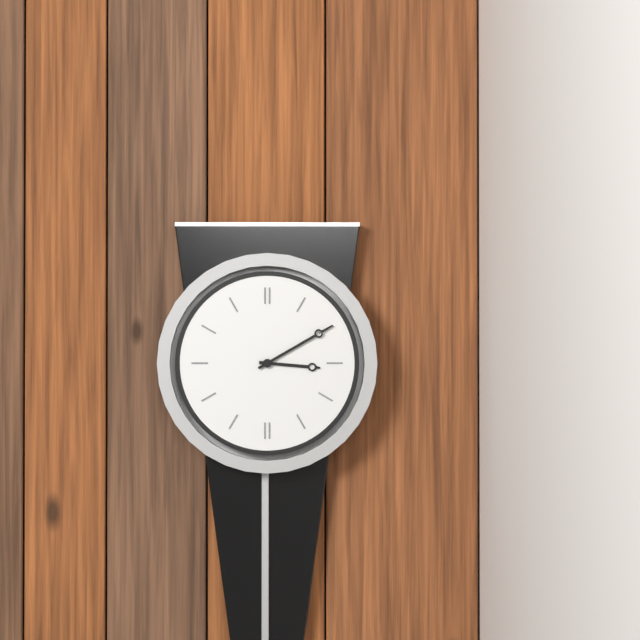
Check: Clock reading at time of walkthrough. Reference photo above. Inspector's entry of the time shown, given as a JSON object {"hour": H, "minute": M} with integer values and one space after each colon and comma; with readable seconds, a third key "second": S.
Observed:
{"hour": 3, "minute": 10}
